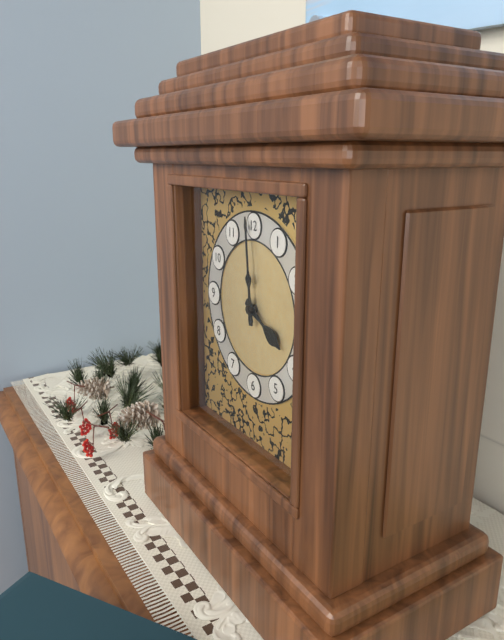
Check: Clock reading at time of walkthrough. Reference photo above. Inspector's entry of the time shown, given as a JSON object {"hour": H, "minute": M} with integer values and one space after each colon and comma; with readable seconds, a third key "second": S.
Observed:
{"hour": 3, "minute": 59}
